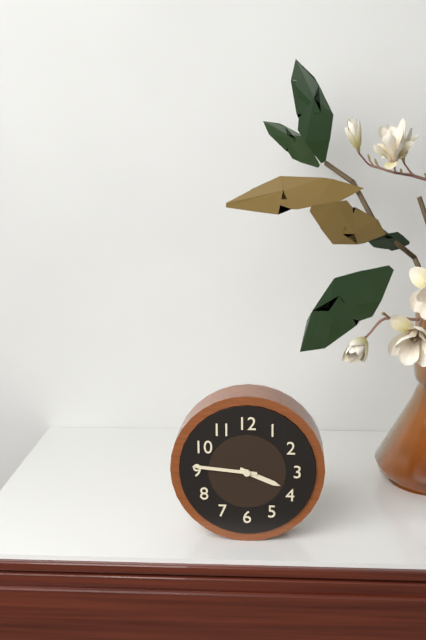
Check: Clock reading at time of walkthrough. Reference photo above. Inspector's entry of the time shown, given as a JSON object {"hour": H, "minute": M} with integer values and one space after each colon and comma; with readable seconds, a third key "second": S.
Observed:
{"hour": 3, "minute": 46}
